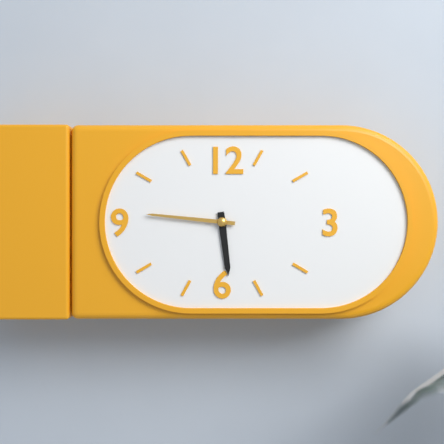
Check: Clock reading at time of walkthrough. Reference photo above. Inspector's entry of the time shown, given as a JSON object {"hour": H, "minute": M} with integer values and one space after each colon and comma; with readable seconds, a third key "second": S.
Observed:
{"hour": 5, "minute": 46}
